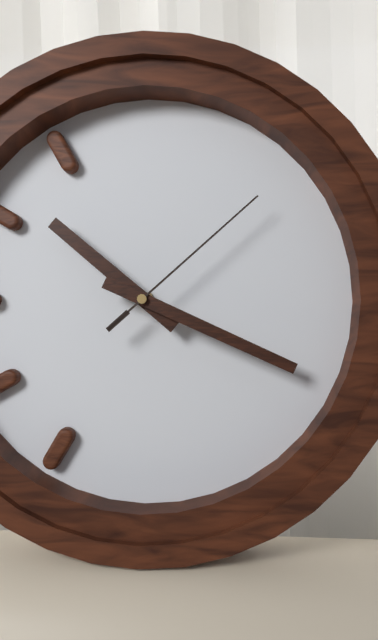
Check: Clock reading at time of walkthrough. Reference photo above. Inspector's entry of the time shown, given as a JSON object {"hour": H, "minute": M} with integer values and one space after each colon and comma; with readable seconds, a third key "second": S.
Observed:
{"hour": 10, "minute": 19, "second": 8}
